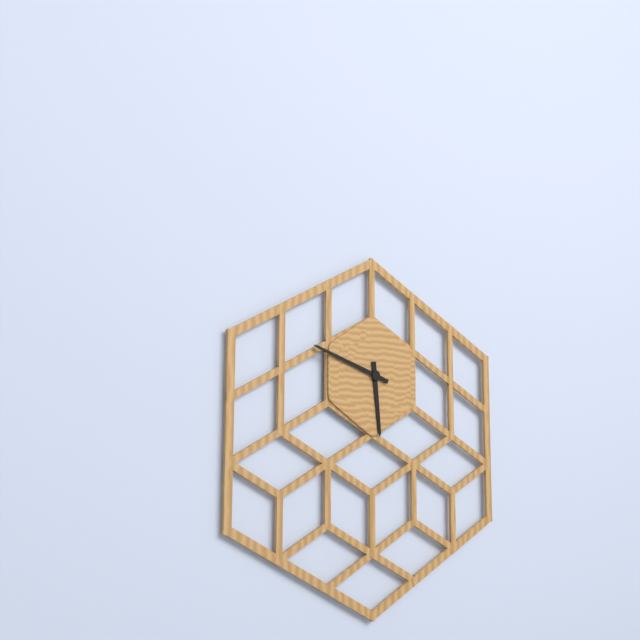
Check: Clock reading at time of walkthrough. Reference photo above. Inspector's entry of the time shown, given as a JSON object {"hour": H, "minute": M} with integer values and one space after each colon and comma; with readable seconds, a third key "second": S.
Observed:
{"hour": 5, "minute": 48}
